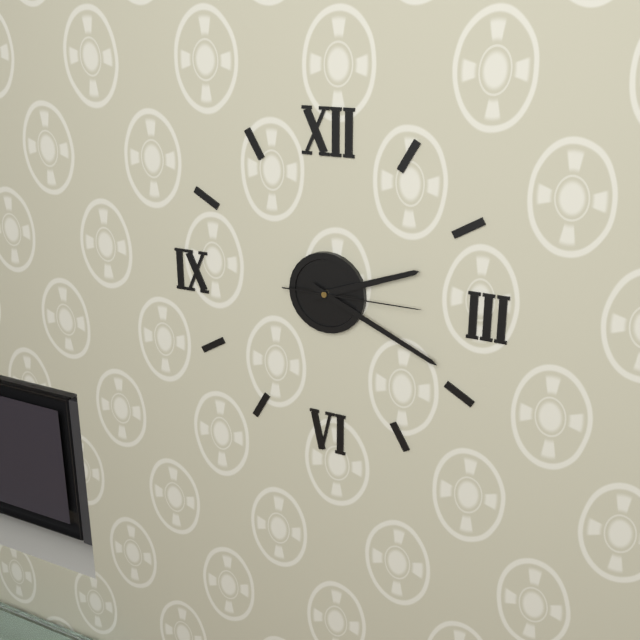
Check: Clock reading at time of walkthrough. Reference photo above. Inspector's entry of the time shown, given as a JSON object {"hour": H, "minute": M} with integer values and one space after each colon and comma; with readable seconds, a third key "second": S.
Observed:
{"hour": 2, "minute": 19, "second": 15}
